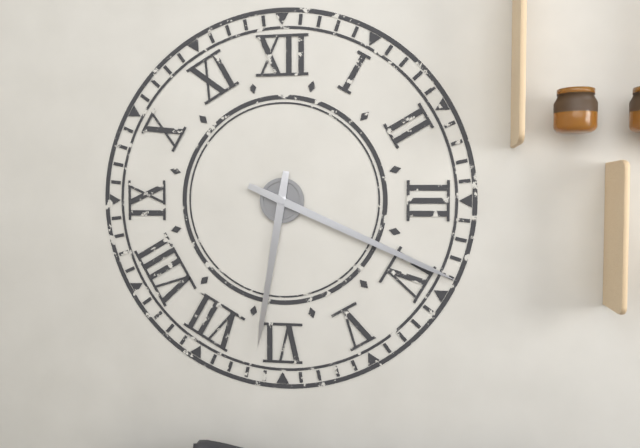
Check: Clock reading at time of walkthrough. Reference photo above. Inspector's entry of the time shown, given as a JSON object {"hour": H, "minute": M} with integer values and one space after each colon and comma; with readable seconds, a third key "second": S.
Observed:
{"hour": 6, "minute": 19}
